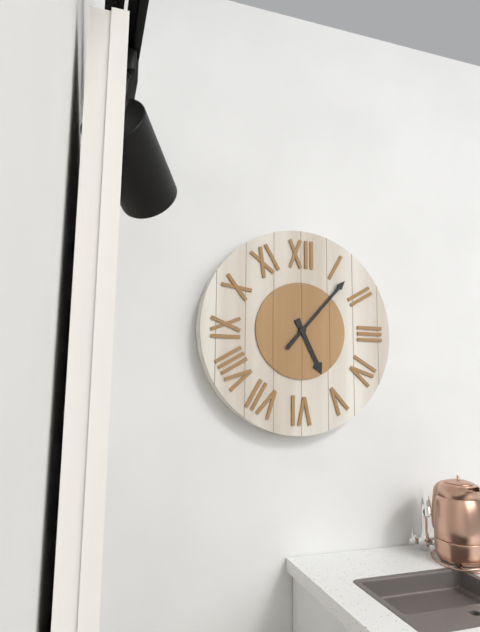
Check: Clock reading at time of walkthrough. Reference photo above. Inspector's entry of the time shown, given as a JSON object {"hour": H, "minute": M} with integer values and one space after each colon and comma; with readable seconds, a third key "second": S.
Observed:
{"hour": 5, "minute": 7}
